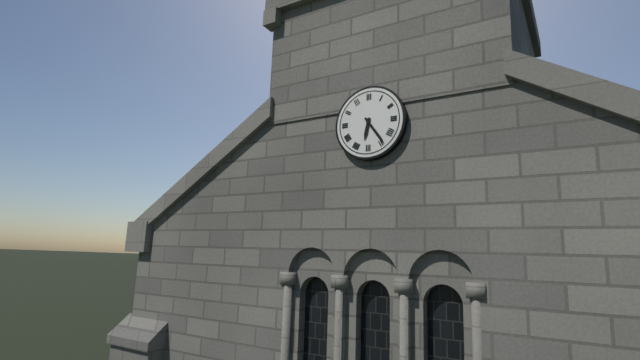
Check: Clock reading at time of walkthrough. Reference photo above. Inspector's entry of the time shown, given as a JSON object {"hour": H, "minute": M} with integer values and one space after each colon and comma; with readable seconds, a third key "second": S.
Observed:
{"hour": 6, "minute": 24}
